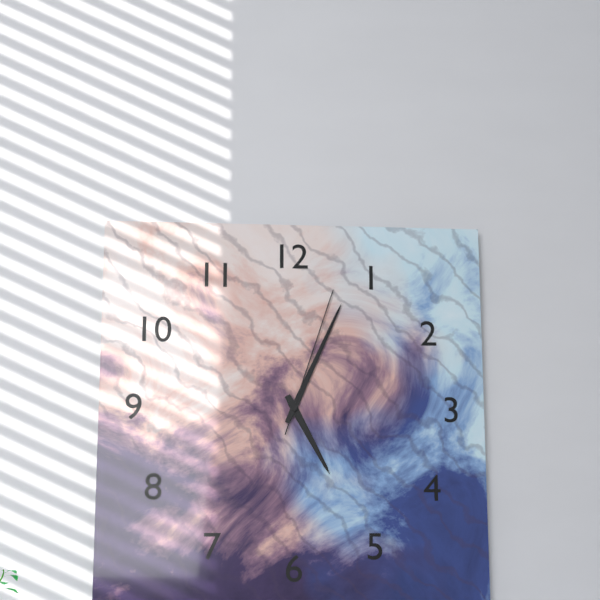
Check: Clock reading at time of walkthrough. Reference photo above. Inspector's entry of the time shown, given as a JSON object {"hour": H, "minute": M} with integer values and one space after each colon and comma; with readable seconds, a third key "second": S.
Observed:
{"hour": 5, "minute": 4, "second": 3}
